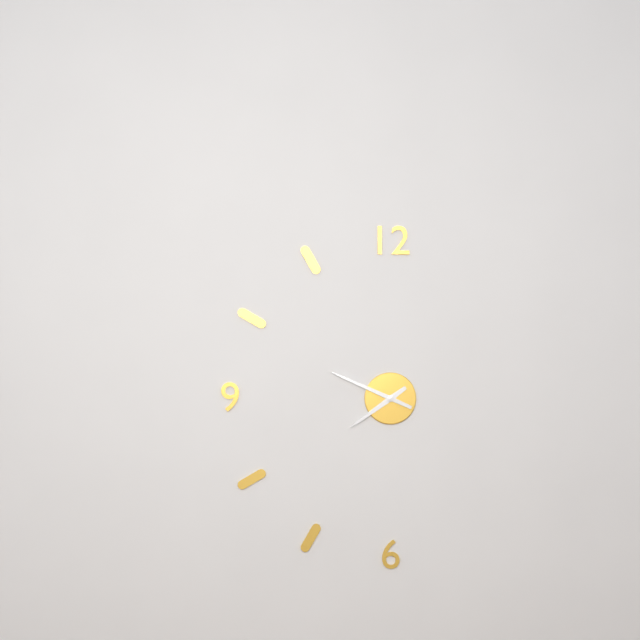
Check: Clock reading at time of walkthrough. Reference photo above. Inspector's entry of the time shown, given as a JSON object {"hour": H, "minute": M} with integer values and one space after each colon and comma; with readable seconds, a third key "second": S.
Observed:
{"hour": 7, "minute": 49}
